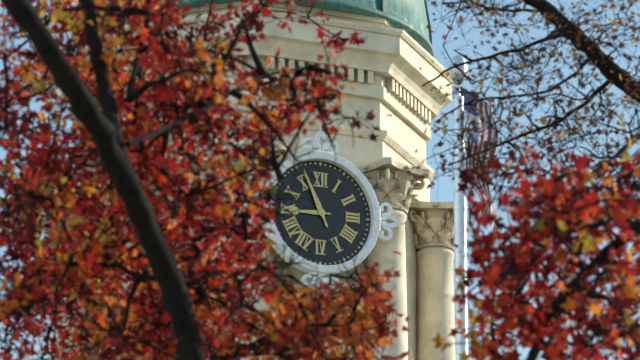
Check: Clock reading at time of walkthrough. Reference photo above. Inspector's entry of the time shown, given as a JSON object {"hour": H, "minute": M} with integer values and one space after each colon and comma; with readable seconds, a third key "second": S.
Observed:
{"hour": 8, "minute": 56}
